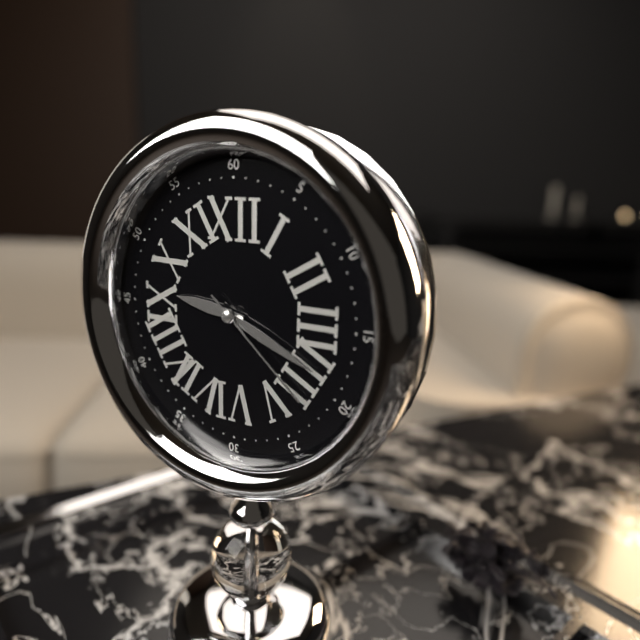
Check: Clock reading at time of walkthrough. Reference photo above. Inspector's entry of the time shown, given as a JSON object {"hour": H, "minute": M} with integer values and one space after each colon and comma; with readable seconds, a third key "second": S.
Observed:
{"hour": 9, "minute": 19, "second": 22}
